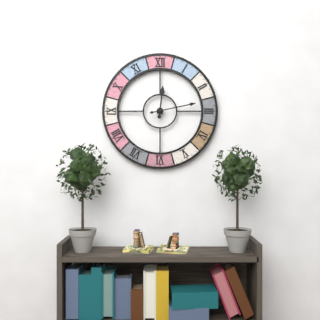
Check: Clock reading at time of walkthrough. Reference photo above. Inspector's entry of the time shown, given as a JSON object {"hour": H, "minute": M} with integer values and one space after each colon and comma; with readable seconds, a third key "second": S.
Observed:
{"hour": 12, "minute": 13}
